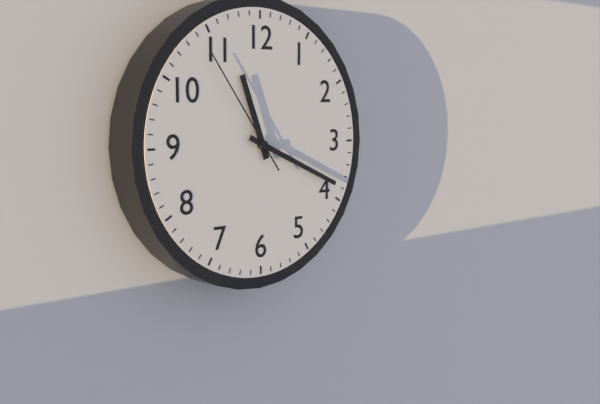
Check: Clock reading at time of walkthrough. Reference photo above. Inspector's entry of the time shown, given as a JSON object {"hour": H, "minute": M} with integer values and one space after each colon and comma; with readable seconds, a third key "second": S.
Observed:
{"hour": 11, "minute": 19, "second": 54}
